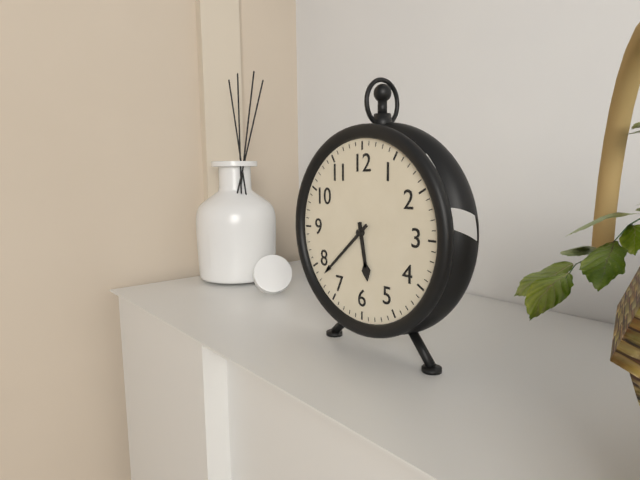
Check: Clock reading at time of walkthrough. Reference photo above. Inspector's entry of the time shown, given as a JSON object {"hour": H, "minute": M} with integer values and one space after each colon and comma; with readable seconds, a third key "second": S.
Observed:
{"hour": 5, "minute": 38}
